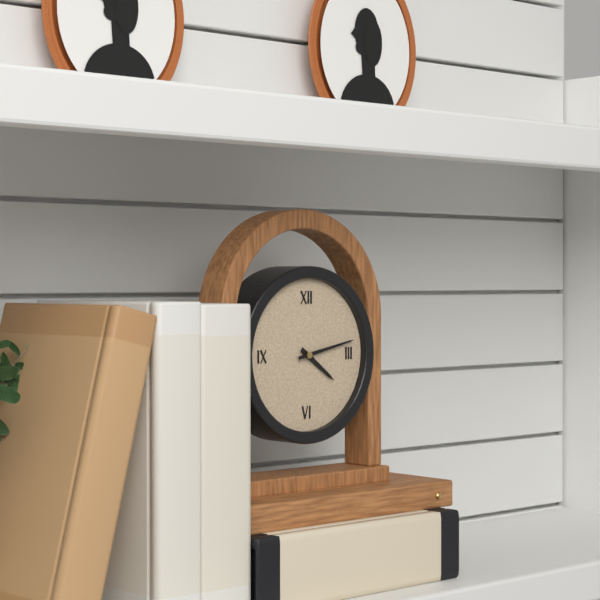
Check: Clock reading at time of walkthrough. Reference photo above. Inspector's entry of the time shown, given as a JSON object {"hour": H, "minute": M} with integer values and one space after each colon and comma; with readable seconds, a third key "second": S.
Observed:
{"hour": 4, "minute": 13}
